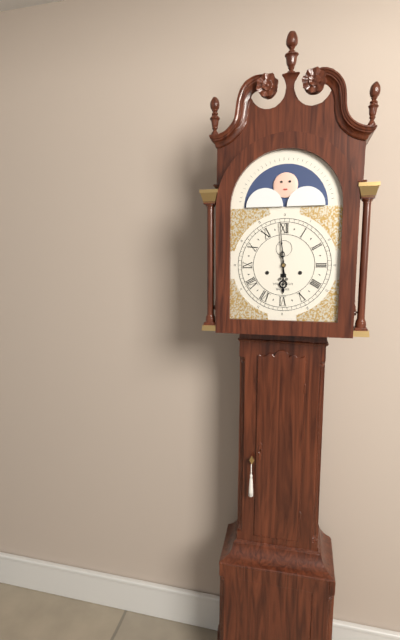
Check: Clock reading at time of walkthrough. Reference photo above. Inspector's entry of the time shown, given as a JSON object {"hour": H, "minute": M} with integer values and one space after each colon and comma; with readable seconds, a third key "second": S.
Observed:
{"hour": 5, "minute": 59}
